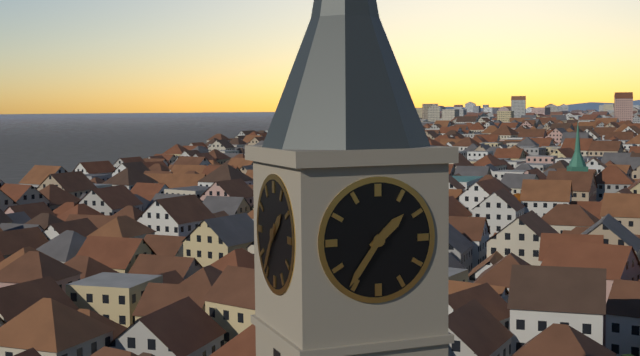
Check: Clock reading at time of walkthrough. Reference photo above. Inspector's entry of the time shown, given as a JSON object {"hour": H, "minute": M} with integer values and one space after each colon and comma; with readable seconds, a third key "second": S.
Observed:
{"hour": 1, "minute": 36}
